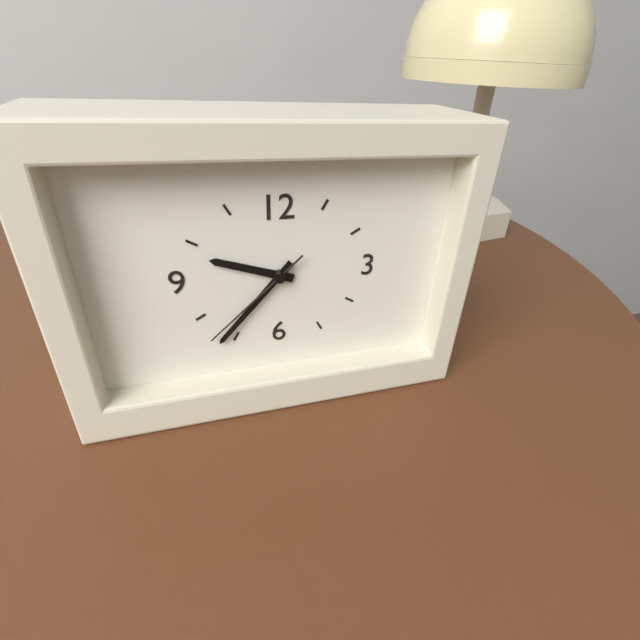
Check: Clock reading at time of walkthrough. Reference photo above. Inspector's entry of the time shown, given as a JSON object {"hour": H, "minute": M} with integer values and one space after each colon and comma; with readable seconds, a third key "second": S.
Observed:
{"hour": 9, "minute": 37, "second": 38}
